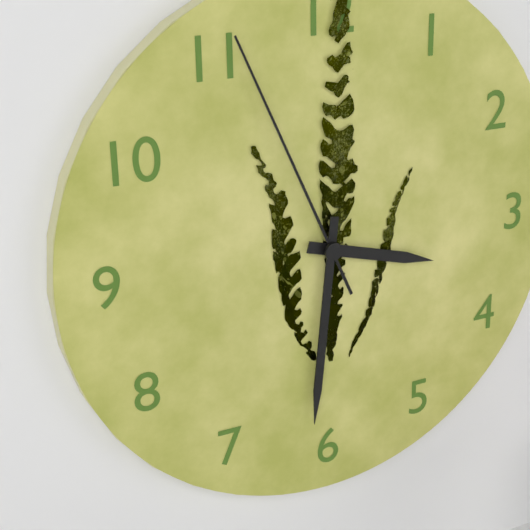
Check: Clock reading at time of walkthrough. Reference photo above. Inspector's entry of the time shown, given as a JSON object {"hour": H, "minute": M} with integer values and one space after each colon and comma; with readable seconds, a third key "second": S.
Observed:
{"hour": 3, "minute": 31, "second": 56}
